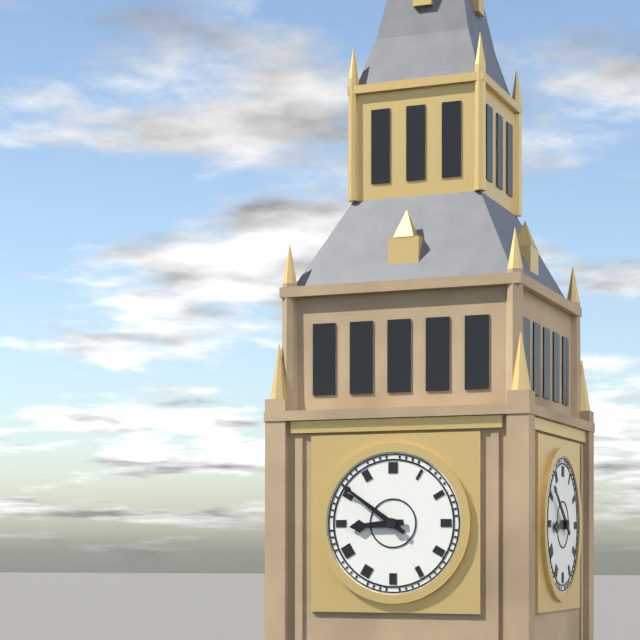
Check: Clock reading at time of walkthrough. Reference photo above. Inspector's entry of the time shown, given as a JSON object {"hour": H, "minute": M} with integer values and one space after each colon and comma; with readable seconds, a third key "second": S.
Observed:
{"hour": 8, "minute": 51}
